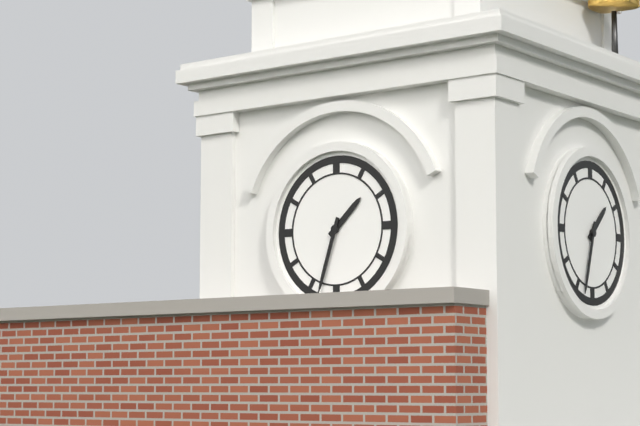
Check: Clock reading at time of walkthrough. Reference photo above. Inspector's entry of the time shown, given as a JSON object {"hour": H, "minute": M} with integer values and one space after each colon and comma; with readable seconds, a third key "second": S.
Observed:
{"hour": 1, "minute": 33}
